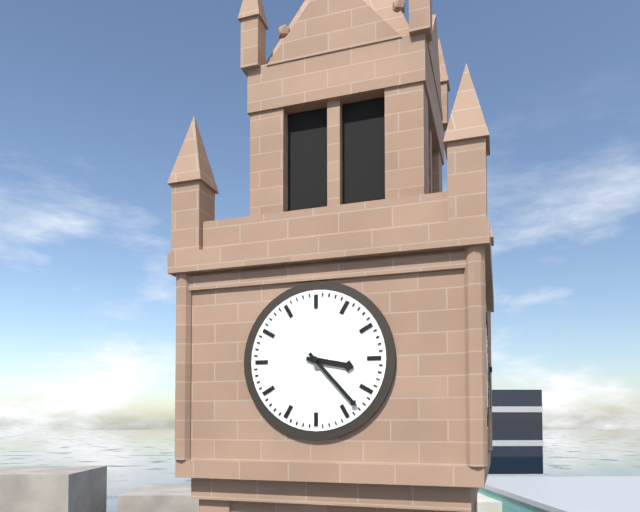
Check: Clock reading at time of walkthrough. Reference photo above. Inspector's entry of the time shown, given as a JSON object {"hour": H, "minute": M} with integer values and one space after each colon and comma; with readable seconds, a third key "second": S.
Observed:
{"hour": 3, "minute": 23}
